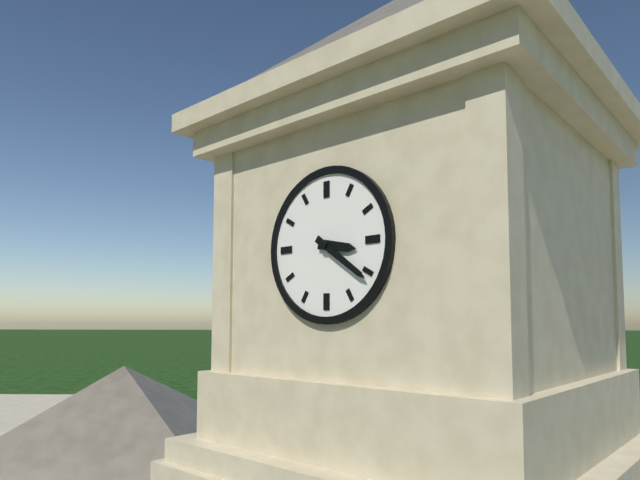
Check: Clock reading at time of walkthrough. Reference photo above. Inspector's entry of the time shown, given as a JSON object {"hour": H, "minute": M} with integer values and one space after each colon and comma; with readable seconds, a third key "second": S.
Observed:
{"hour": 3, "minute": 21}
